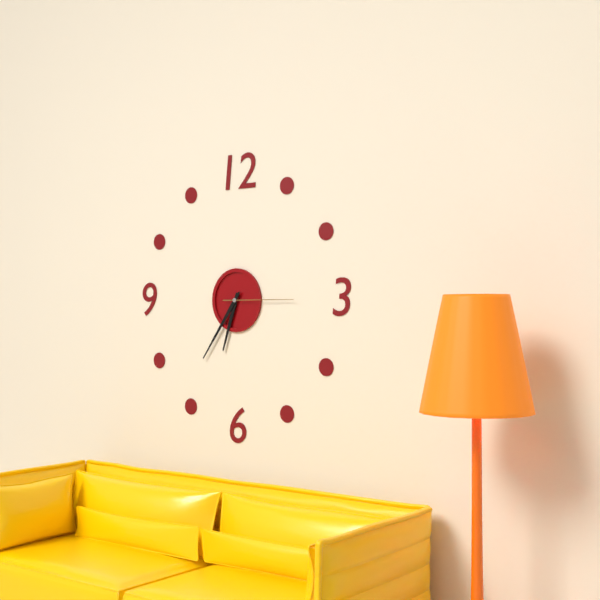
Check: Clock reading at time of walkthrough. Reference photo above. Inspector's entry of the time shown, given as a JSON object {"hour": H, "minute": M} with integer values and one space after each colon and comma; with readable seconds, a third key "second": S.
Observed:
{"hour": 6, "minute": 36, "second": 15}
